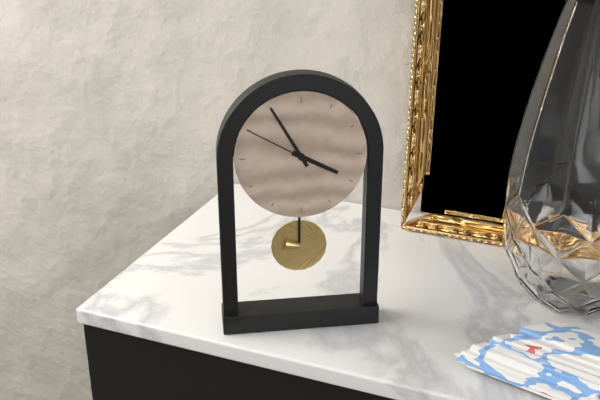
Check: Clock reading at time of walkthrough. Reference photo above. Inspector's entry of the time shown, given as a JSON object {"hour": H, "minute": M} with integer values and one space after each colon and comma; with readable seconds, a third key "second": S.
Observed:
{"hour": 3, "minute": 55, "second": 50}
